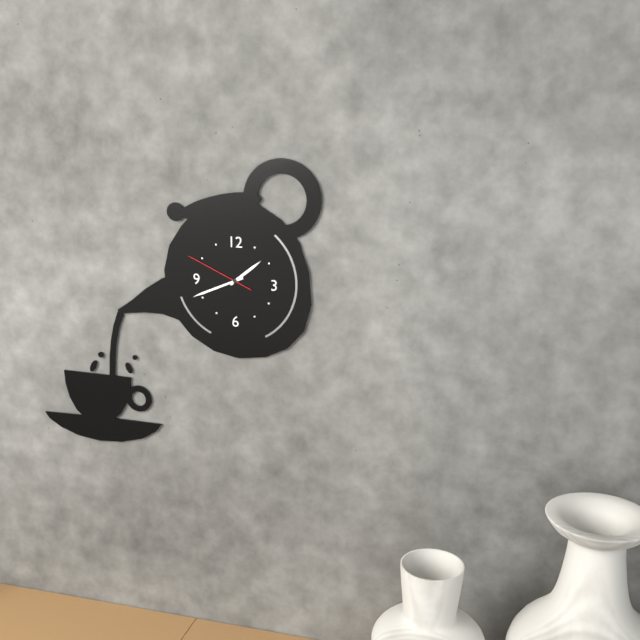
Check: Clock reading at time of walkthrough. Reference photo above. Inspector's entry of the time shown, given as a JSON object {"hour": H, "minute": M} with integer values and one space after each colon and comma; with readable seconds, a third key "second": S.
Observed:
{"hour": 1, "minute": 41, "second": 49}
